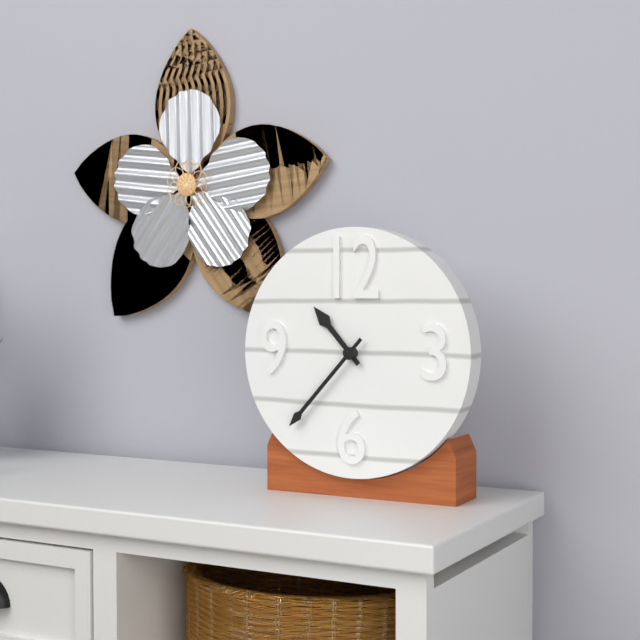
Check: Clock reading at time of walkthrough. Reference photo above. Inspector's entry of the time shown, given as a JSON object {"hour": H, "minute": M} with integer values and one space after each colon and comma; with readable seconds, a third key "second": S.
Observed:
{"hour": 10, "minute": 37}
